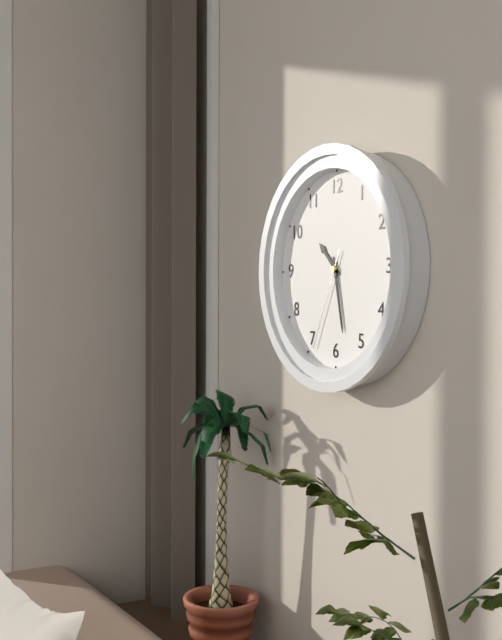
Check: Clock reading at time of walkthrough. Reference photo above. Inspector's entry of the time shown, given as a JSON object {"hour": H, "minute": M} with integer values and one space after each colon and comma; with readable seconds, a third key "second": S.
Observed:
{"hour": 10, "minute": 28, "second": 34}
